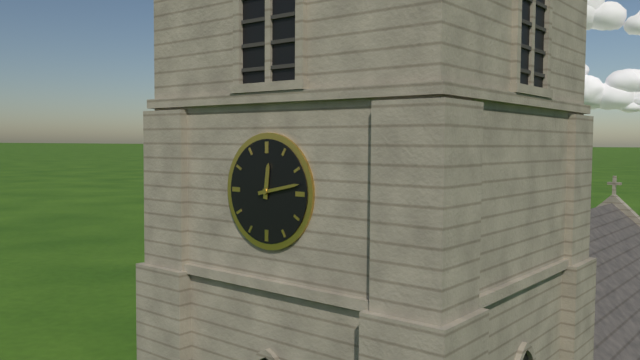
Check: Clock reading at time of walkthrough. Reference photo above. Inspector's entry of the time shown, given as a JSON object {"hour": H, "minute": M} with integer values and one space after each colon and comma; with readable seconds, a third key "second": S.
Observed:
{"hour": 12, "minute": 13}
